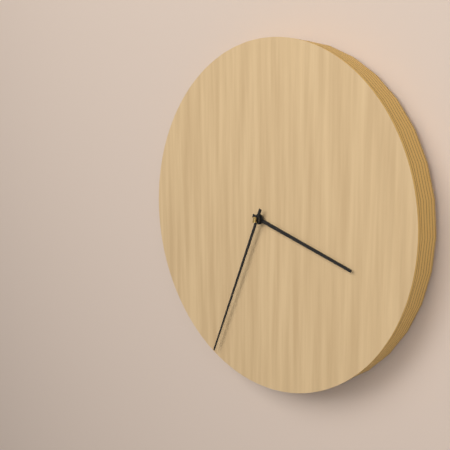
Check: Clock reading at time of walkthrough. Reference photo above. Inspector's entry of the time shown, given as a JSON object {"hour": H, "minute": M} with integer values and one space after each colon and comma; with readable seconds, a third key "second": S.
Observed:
{"hour": 3, "minute": 34}
